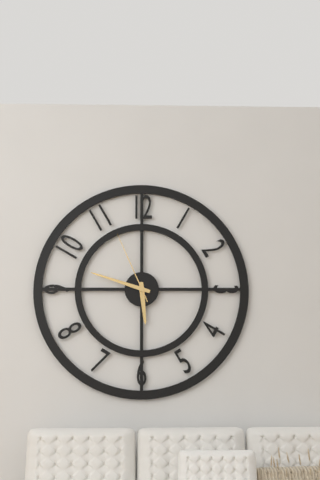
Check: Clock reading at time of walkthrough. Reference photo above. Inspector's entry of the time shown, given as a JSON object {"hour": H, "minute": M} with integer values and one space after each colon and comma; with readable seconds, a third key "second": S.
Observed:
{"hour": 5, "minute": 48, "second": 56}
